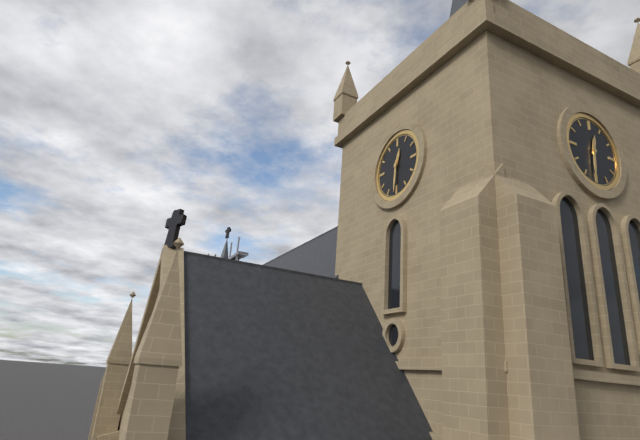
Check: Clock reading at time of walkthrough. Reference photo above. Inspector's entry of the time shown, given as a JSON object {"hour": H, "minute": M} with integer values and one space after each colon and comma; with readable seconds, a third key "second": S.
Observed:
{"hour": 12, "minute": 31}
